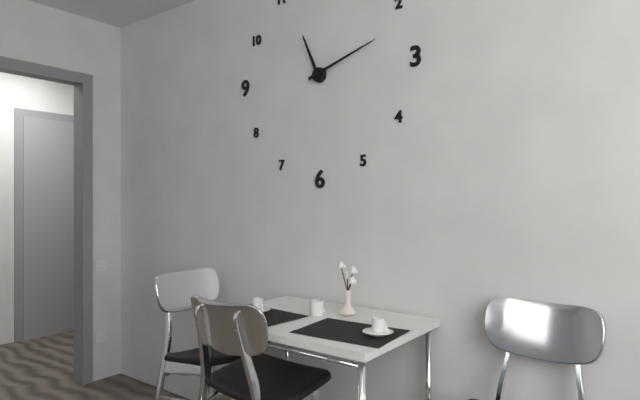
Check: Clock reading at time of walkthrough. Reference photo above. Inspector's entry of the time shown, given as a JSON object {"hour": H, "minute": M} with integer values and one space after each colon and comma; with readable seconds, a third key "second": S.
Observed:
{"hour": 11, "minute": 12}
